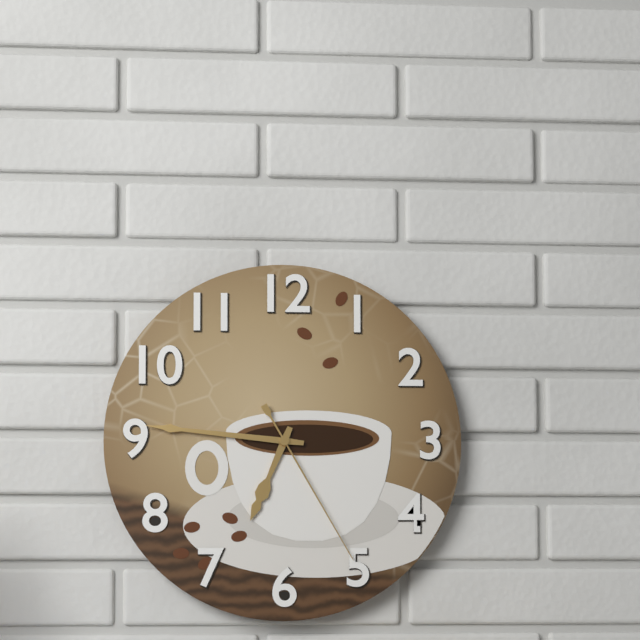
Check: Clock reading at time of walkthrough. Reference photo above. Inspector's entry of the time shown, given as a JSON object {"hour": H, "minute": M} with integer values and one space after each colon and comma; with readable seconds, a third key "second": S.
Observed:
{"hour": 6, "minute": 46, "second": 25}
